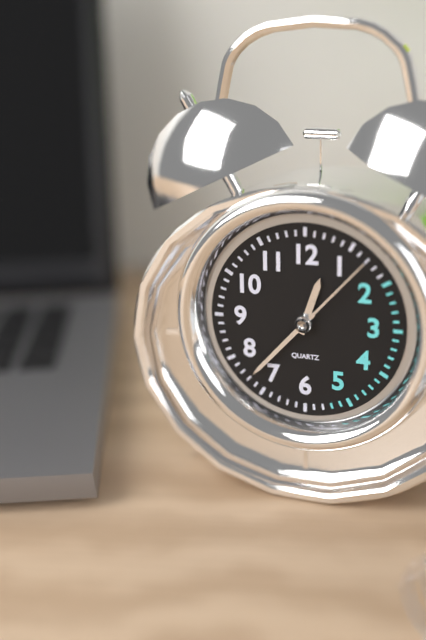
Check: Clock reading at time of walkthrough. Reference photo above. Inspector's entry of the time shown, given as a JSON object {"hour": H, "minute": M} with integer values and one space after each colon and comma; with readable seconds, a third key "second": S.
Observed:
{"hour": 12, "minute": 37, "second": 7}
